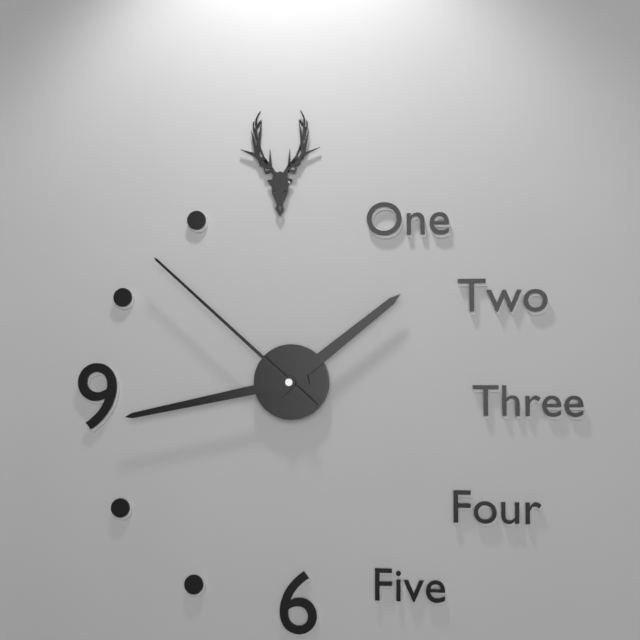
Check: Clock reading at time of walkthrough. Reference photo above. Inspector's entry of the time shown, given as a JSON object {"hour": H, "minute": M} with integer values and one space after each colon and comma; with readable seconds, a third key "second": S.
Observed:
{"hour": 1, "minute": 43, "second": 52}
